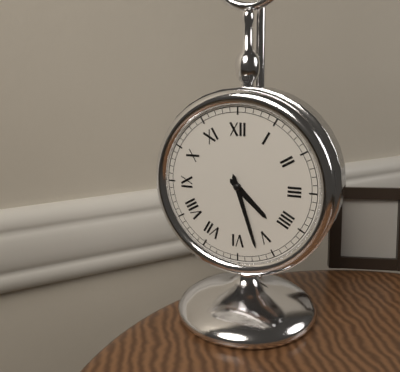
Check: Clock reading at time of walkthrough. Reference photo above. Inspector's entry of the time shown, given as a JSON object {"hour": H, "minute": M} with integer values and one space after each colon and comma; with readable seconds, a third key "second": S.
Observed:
{"hour": 4, "minute": 27}
